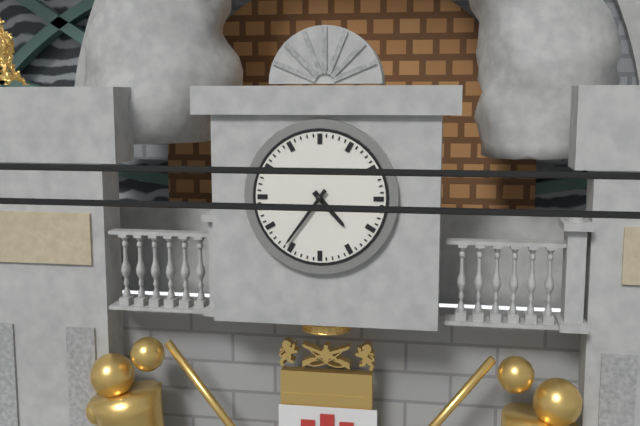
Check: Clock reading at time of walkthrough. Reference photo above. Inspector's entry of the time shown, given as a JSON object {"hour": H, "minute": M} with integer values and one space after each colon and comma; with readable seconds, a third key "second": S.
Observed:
{"hour": 4, "minute": 36}
